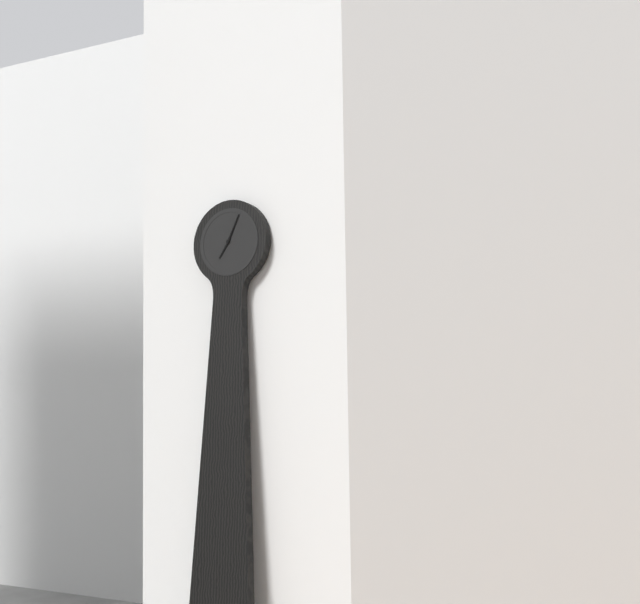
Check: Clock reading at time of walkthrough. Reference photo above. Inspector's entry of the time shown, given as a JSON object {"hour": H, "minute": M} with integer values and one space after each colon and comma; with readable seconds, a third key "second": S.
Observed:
{"hour": 7, "minute": 4}
